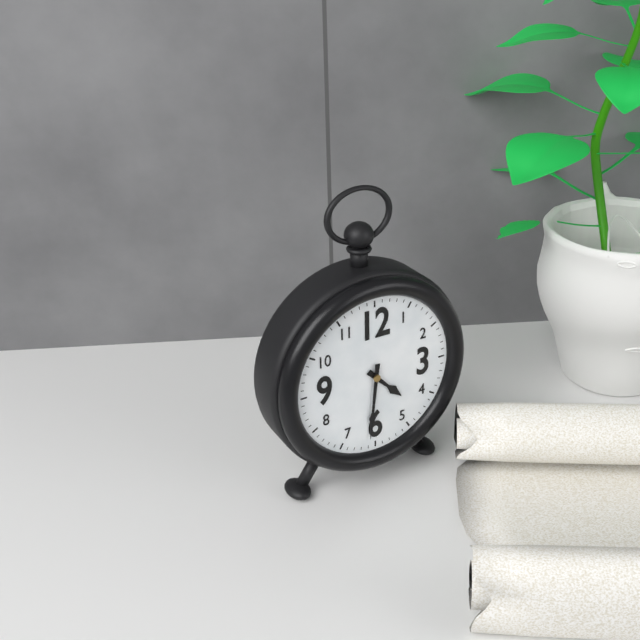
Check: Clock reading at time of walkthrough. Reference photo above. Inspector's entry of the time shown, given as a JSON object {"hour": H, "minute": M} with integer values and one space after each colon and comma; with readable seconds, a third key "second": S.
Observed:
{"hour": 4, "minute": 31}
